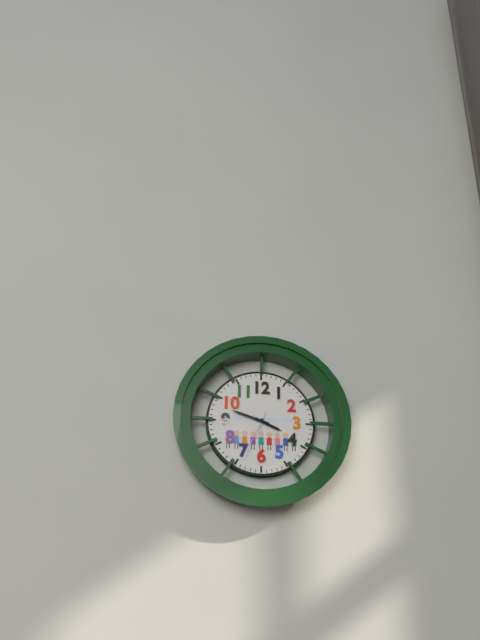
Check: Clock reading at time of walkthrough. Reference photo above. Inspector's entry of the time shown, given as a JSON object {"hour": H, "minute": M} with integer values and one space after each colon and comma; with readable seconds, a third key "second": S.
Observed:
{"hour": 3, "minute": 48, "second": 34}
